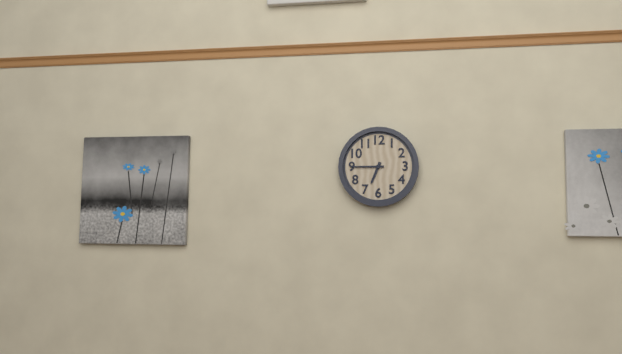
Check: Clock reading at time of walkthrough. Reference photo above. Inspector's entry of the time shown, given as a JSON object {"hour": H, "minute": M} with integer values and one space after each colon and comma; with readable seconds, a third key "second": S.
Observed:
{"hour": 6, "minute": 45}
